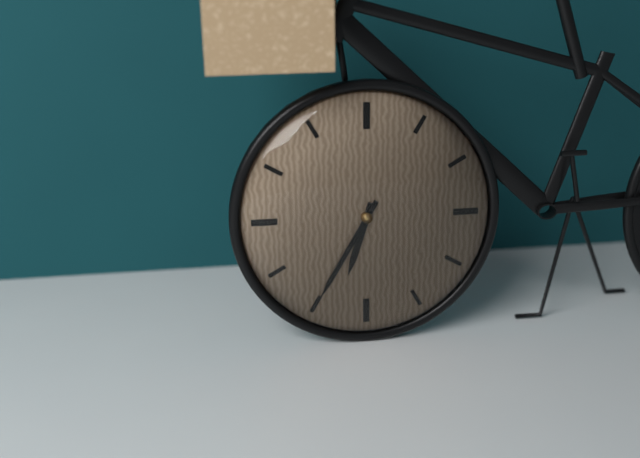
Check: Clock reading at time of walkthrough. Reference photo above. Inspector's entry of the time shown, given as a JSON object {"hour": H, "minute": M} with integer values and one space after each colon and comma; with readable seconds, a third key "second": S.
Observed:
{"hour": 6, "minute": 35}
